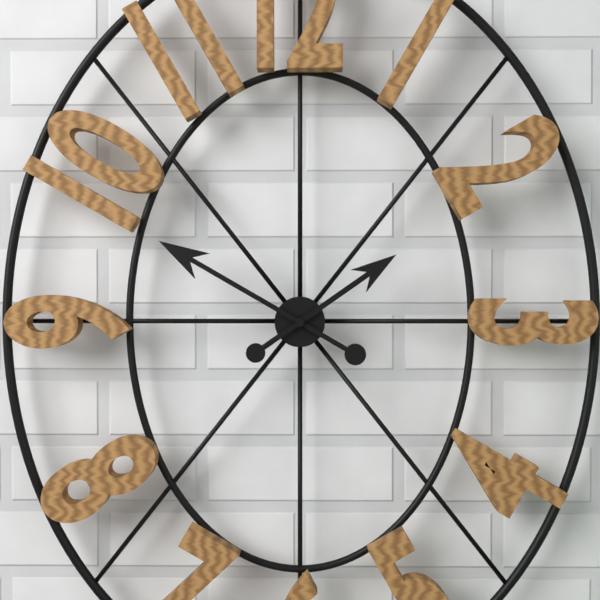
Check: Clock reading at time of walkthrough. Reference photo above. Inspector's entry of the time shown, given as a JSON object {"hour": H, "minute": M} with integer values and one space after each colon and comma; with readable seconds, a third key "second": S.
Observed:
{"hour": 1, "minute": 50}
